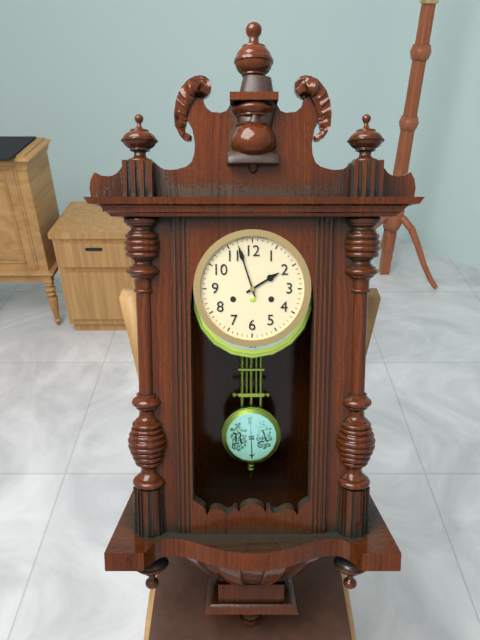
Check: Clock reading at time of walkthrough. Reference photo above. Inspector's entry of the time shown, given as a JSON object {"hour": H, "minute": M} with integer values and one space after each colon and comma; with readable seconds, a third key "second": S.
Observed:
{"hour": 1, "minute": 57}
